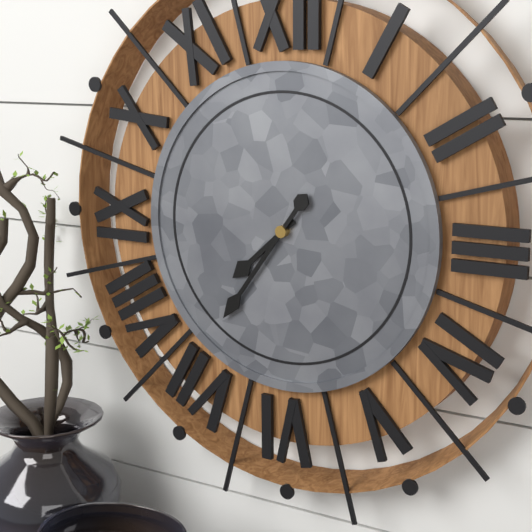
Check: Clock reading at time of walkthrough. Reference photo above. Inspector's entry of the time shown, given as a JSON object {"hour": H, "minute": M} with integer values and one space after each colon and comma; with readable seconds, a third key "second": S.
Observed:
{"hour": 7, "minute": 36}
